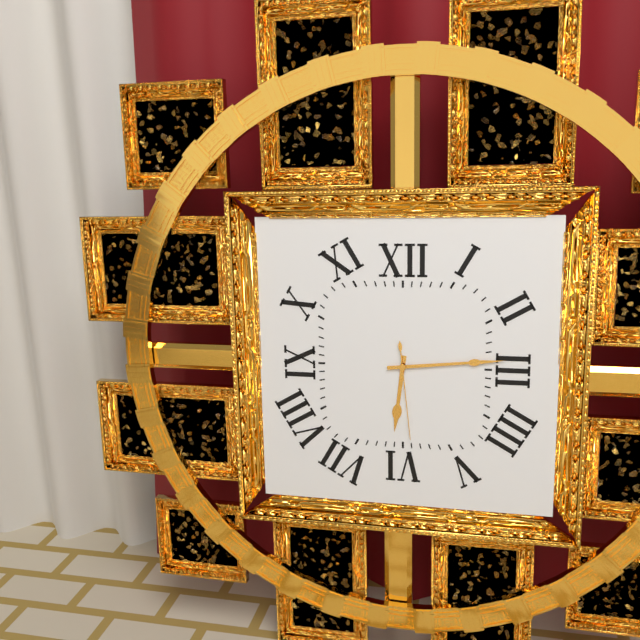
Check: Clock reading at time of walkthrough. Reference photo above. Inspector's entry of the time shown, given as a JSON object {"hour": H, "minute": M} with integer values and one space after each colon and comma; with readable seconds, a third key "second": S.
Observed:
{"hour": 6, "minute": 14, "second": 29}
